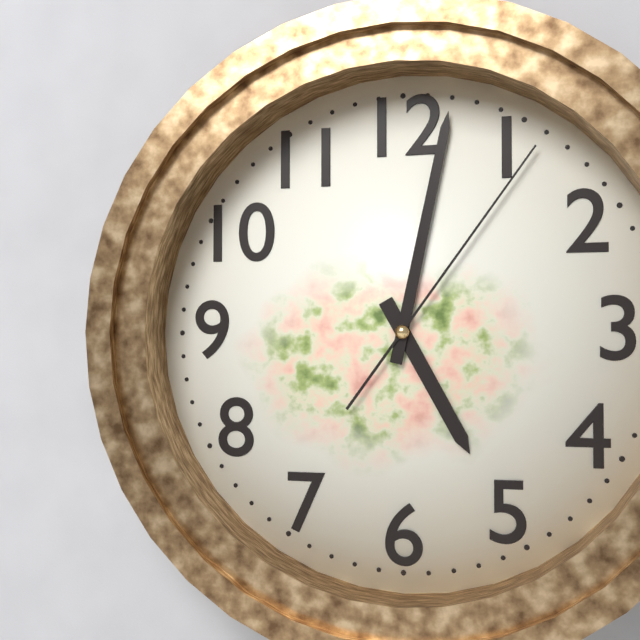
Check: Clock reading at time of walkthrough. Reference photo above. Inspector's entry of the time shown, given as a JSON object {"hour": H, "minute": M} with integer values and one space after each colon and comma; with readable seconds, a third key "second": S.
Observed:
{"hour": 5, "minute": 2, "second": 6}
